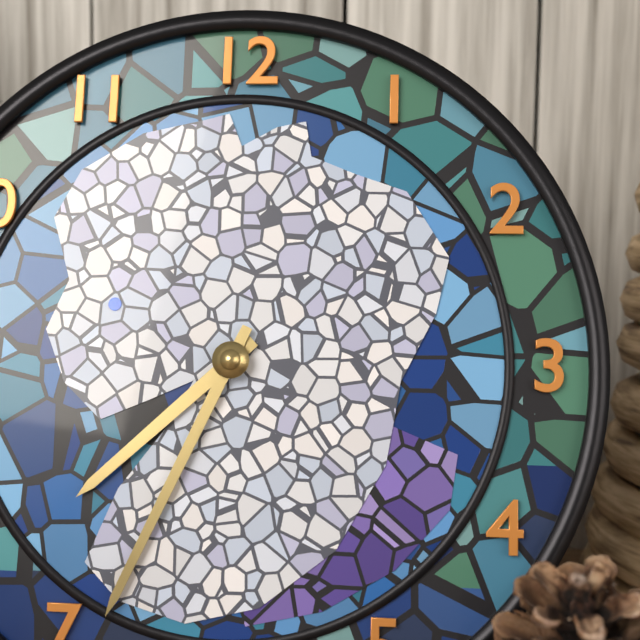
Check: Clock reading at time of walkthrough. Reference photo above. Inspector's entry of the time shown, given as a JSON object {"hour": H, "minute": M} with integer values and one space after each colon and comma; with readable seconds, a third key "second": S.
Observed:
{"hour": 7, "minute": 34}
